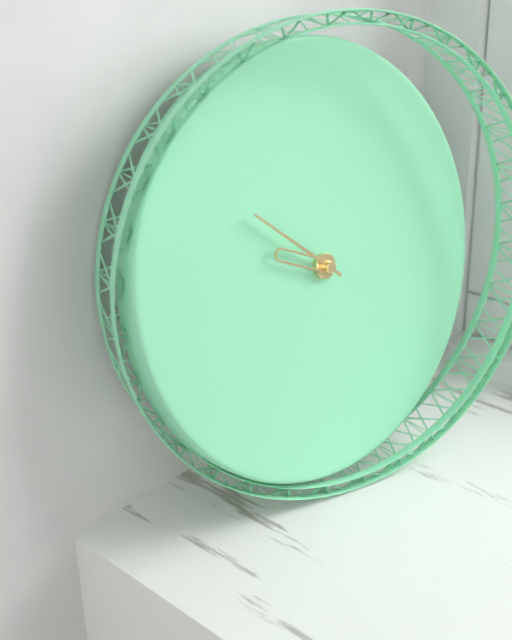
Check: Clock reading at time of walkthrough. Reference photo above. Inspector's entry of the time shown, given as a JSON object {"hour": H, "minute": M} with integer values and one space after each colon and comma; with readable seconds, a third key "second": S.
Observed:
{"hour": 9, "minute": 52}
